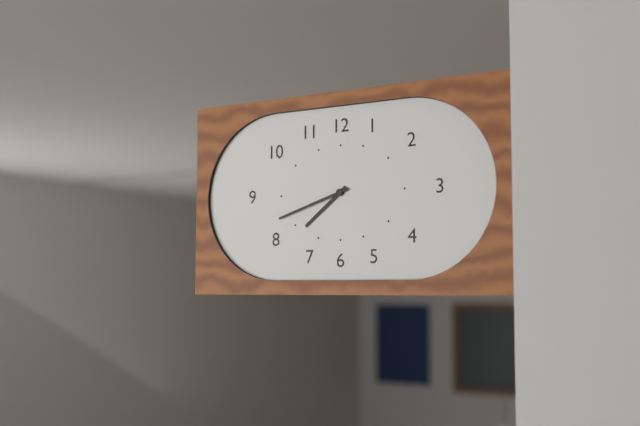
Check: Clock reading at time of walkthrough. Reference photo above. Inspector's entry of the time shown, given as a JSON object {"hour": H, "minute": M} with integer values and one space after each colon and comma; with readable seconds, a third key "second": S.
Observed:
{"hour": 7, "minute": 42}
